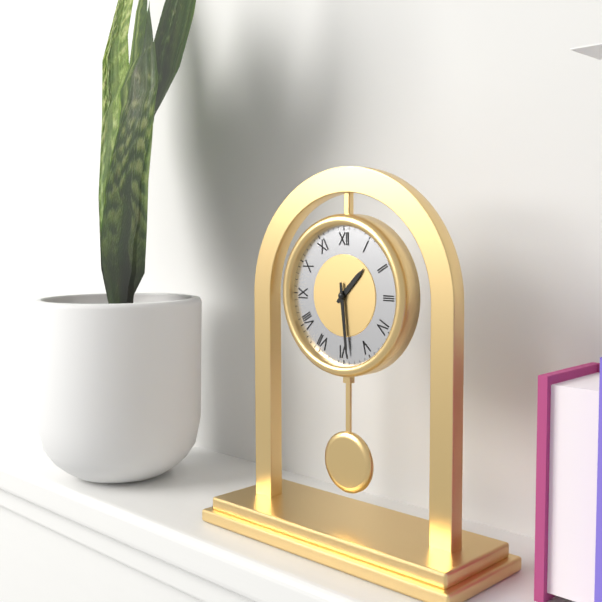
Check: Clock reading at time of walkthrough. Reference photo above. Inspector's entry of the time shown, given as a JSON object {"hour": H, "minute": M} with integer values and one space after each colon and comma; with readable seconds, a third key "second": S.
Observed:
{"hour": 1, "minute": 29}
